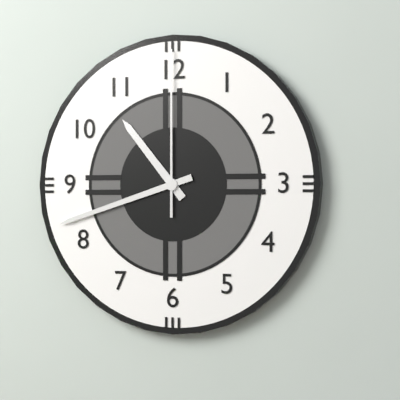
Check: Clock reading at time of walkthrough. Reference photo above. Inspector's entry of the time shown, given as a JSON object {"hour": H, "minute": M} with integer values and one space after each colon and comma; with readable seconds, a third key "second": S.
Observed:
{"hour": 10, "minute": 42, "second": 0}
